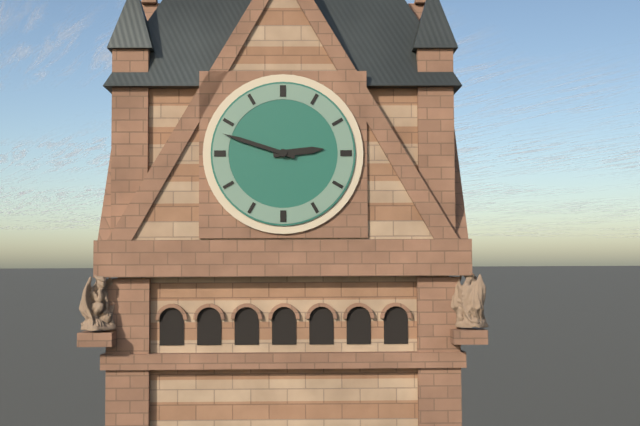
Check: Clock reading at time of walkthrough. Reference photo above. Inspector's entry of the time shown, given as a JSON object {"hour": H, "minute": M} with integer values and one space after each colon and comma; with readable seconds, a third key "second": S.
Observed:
{"hour": 2, "minute": 48}
